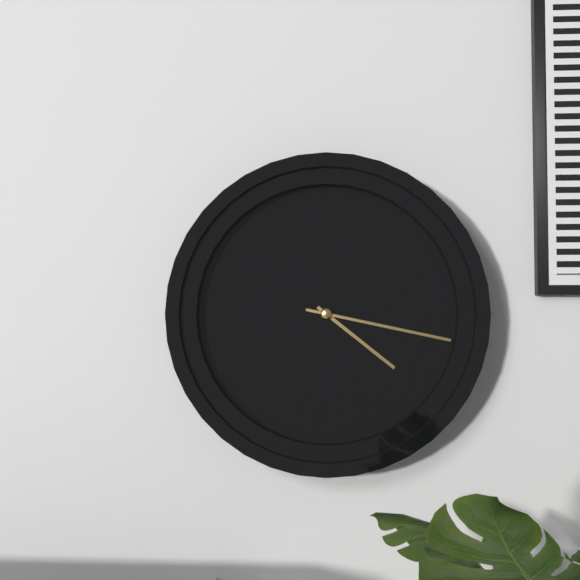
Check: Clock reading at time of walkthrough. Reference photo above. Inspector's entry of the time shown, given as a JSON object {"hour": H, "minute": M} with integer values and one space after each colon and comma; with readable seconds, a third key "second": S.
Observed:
{"hour": 4, "minute": 17}
